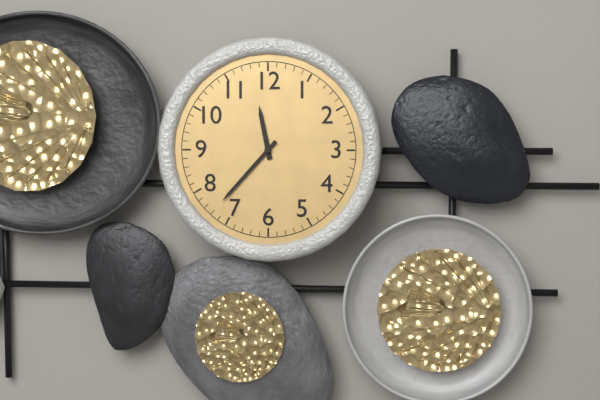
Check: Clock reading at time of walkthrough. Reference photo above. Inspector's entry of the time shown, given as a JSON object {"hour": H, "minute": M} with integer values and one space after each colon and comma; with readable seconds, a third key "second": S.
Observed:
{"hour": 11, "minute": 37}
